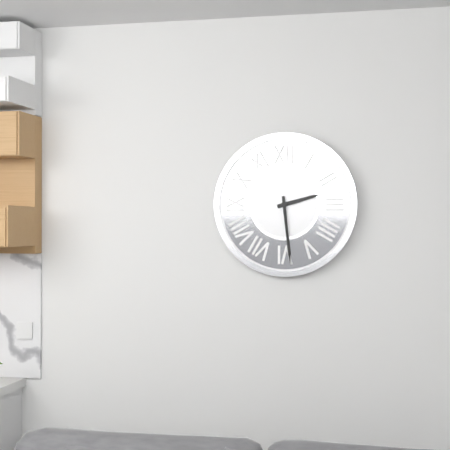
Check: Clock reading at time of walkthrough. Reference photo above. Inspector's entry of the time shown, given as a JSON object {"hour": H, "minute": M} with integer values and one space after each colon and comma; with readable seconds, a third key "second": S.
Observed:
{"hour": 2, "minute": 29}
